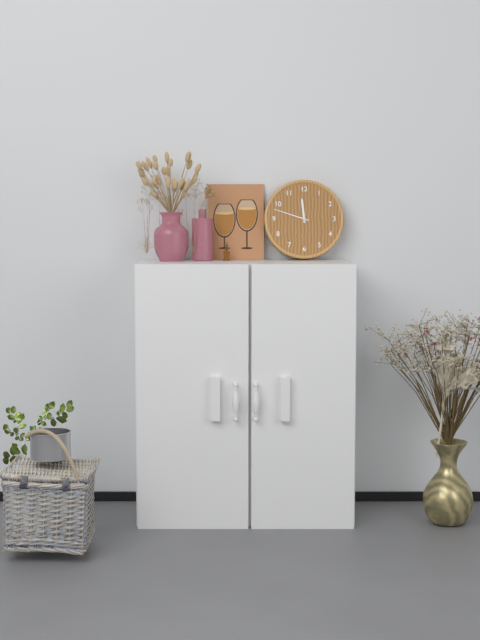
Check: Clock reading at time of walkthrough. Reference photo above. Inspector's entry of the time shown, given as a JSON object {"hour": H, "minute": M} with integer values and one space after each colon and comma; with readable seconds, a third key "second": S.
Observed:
{"hour": 11, "minute": 48}
